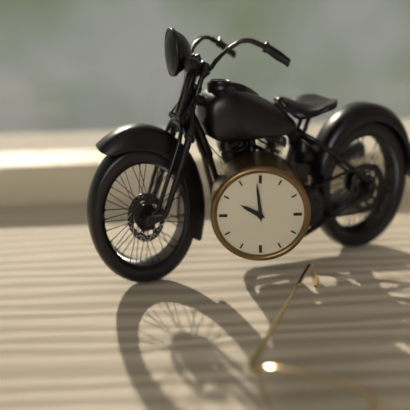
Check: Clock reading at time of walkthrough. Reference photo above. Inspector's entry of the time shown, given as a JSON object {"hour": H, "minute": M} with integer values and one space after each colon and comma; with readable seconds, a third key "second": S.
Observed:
{"hour": 9, "minute": 59}
